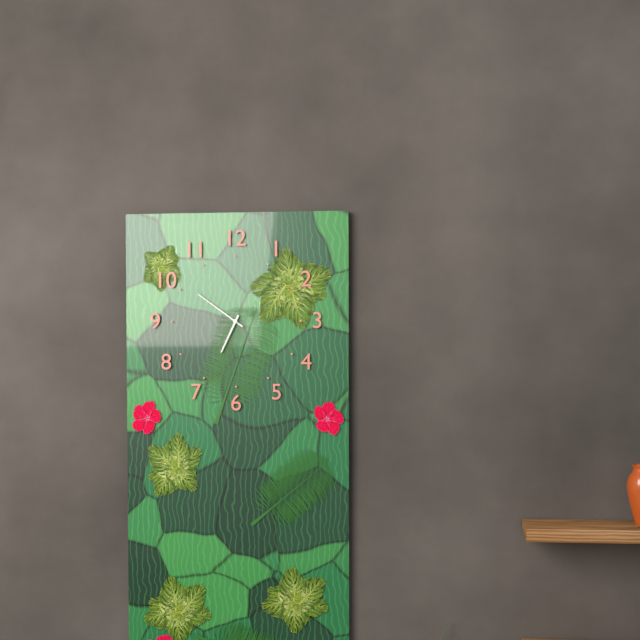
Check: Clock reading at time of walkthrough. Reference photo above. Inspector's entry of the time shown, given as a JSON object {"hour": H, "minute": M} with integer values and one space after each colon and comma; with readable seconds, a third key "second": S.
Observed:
{"hour": 6, "minute": 51}
